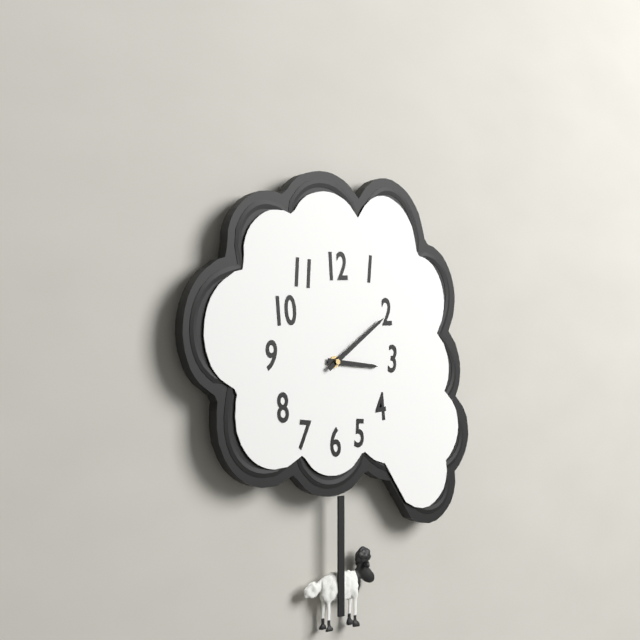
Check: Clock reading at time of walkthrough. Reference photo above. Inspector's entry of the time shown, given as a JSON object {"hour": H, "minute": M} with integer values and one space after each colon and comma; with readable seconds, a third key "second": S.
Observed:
{"hour": 3, "minute": 9}
